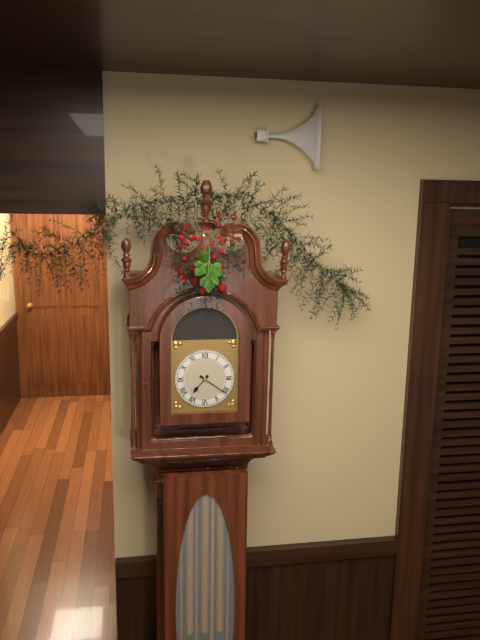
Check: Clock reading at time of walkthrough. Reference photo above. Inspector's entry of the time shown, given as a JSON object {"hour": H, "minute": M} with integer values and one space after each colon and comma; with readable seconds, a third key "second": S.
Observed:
{"hour": 7, "minute": 21}
